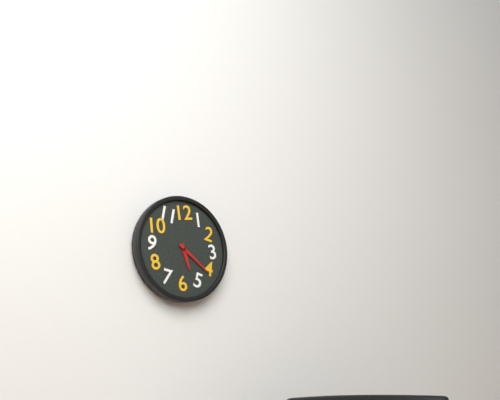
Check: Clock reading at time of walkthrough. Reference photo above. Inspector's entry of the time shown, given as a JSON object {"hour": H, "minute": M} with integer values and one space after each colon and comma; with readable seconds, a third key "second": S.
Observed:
{"hour": 5, "minute": 21}
